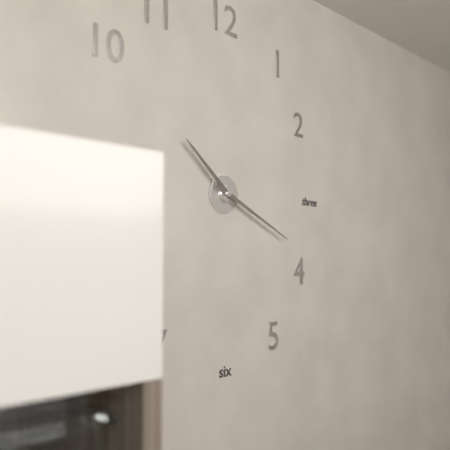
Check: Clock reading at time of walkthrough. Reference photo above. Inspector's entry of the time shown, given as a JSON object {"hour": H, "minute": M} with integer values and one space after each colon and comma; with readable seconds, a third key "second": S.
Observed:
{"hour": 10, "minute": 19}
